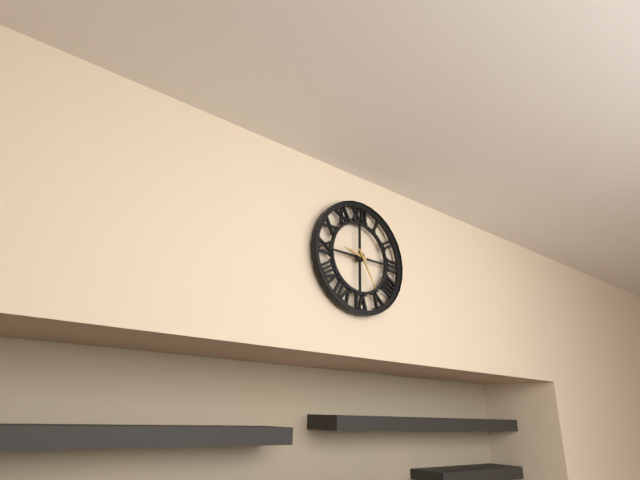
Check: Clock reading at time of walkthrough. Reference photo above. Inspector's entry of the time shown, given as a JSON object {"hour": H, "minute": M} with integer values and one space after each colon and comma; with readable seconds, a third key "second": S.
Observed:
{"hour": 9, "minute": 25}
